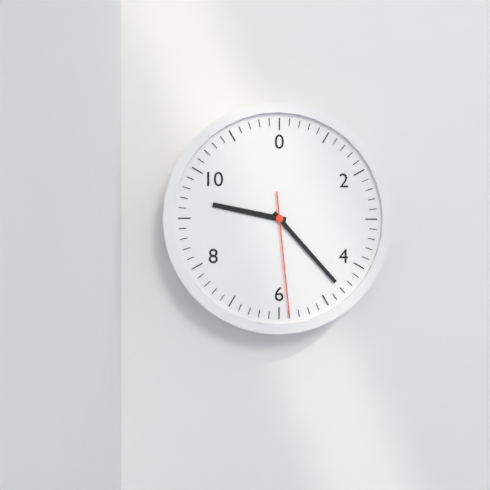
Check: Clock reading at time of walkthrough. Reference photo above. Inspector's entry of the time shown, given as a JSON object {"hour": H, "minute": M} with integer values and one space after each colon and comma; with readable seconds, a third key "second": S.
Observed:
{"hour": 9, "minute": 23, "second": 29}
